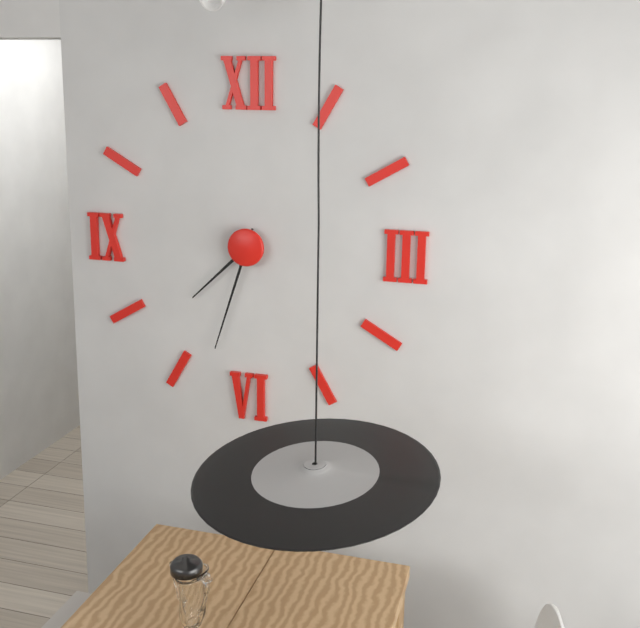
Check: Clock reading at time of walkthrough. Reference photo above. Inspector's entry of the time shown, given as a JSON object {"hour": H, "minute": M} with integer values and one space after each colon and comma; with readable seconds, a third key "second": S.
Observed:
{"hour": 7, "minute": 33}
